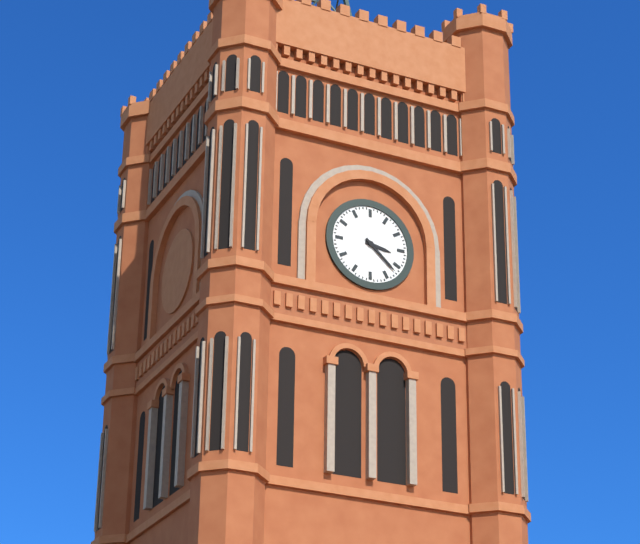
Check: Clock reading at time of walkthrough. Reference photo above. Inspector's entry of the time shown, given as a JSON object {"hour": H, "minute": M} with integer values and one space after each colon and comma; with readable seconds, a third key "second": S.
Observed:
{"hour": 3, "minute": 22}
